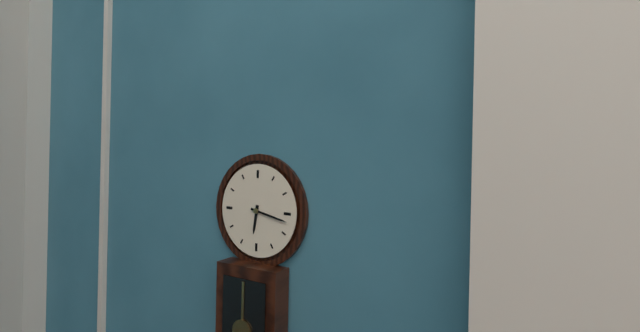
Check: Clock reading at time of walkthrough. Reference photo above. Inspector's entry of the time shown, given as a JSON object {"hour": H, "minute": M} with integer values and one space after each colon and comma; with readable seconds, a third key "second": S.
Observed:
{"hour": 6, "minute": 17}
